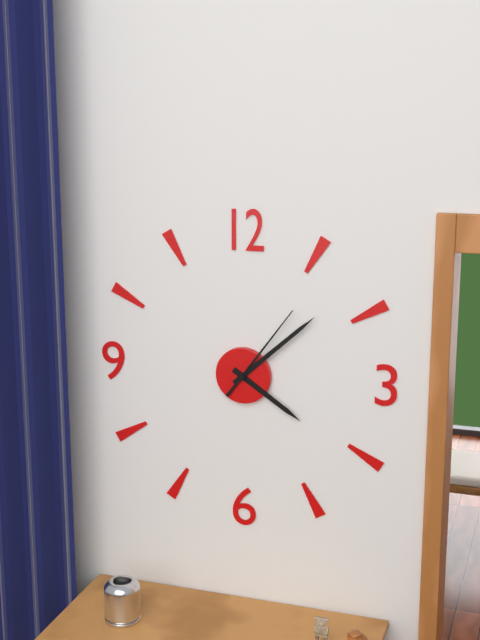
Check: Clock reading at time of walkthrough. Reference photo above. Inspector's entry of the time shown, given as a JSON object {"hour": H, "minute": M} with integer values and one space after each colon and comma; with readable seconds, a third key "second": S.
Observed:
{"hour": 4, "minute": 8, "second": 6}
